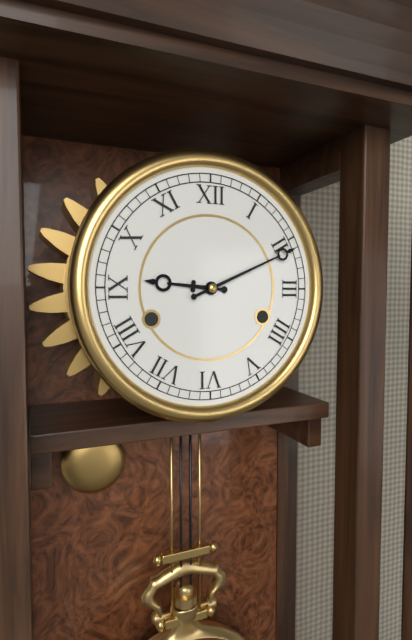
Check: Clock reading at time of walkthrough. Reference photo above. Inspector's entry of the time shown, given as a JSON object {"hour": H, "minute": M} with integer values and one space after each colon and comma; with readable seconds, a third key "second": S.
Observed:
{"hour": 9, "minute": 11}
